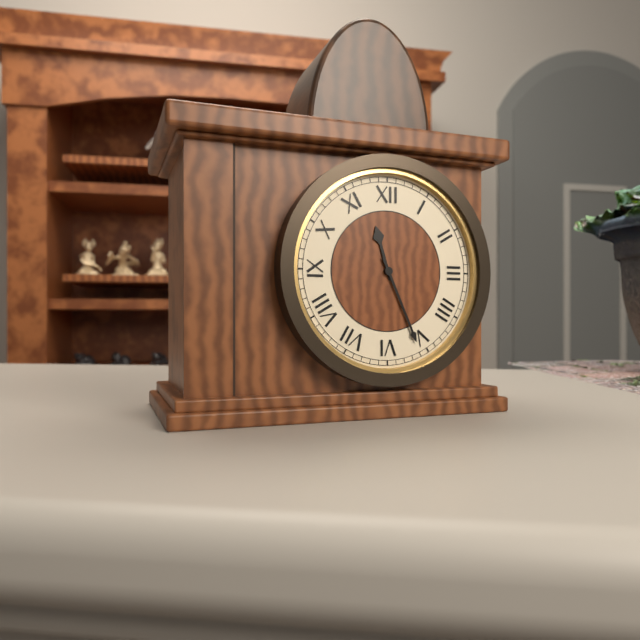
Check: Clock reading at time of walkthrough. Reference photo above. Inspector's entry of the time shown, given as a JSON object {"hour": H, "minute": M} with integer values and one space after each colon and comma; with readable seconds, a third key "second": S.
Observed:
{"hour": 11, "minute": 26}
